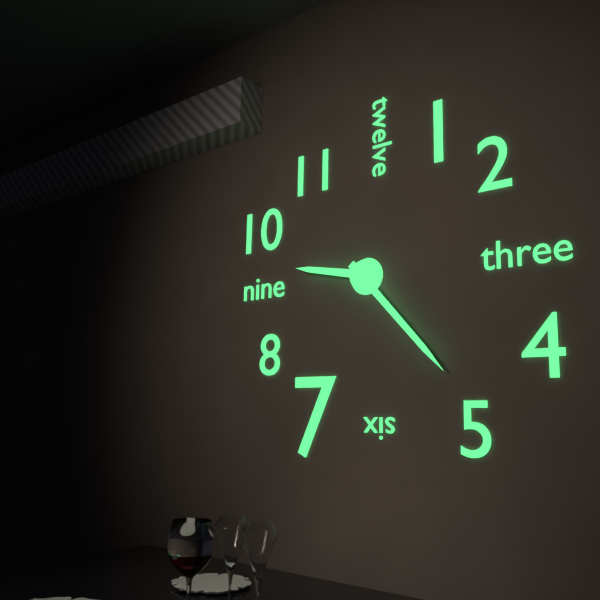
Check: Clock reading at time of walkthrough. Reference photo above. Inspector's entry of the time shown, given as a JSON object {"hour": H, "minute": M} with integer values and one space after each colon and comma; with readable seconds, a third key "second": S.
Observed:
{"hour": 9, "minute": 23}
